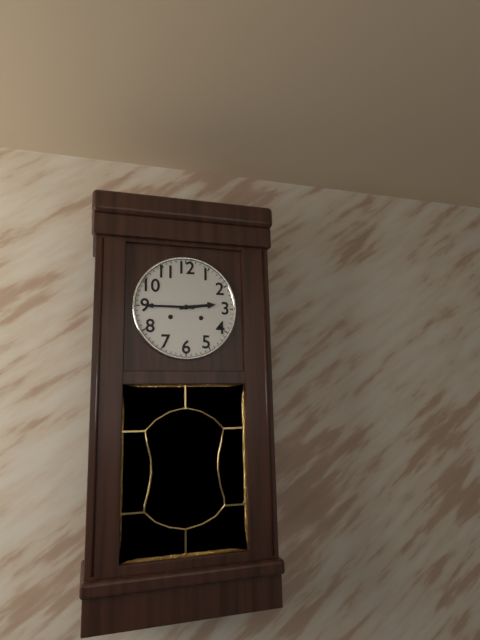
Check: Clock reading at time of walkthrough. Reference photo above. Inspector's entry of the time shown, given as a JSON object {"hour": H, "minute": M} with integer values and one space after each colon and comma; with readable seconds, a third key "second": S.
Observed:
{"hour": 2, "minute": 45}
